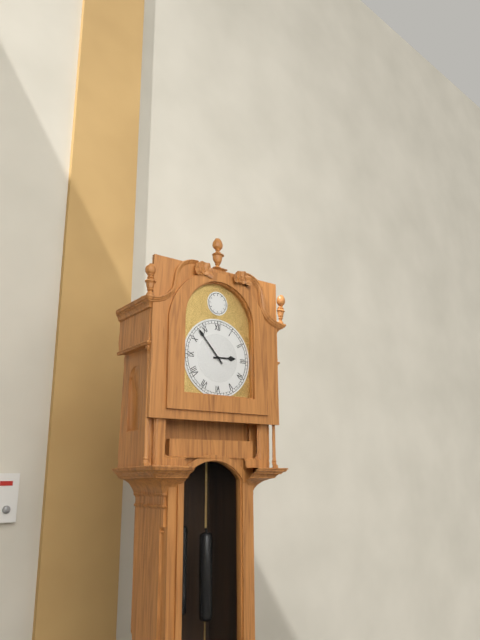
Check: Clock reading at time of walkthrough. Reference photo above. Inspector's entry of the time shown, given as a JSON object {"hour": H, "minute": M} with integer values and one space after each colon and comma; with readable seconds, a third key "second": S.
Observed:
{"hour": 2, "minute": 53}
